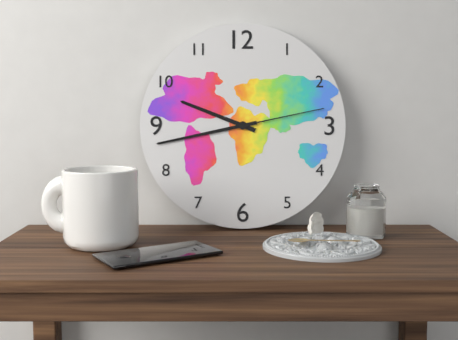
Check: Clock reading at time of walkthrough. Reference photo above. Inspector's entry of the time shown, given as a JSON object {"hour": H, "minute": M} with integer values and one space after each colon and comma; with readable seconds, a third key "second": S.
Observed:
{"hour": 9, "minute": 43, "second": 13}
